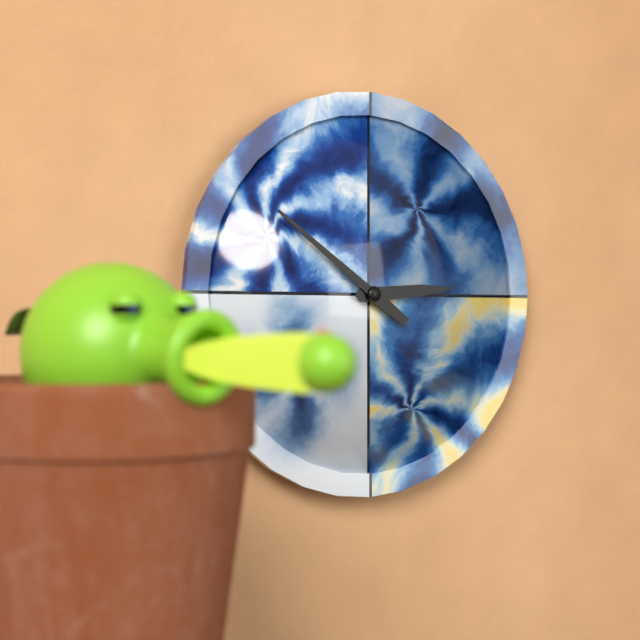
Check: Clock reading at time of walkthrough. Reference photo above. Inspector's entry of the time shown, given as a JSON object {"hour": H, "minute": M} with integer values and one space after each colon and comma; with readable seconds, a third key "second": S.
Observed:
{"hour": 2, "minute": 51}
